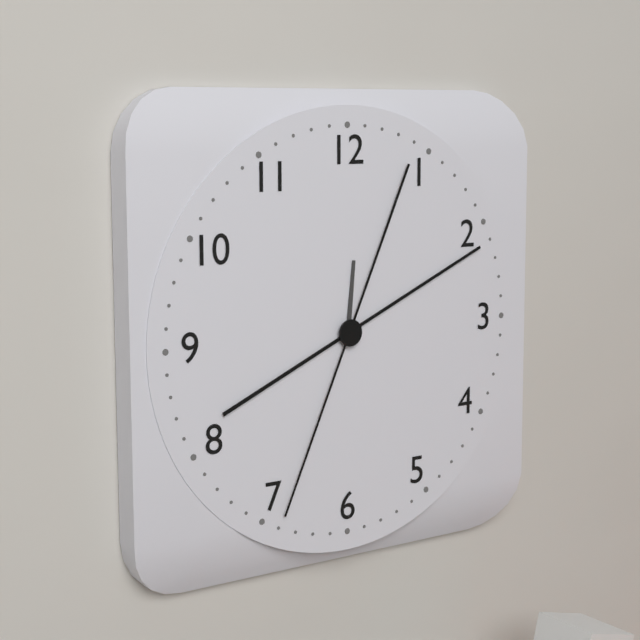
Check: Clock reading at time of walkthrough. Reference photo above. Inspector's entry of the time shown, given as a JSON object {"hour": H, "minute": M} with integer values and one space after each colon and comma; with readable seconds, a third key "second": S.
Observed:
{"hour": 12, "minute": 11, "second": 34}
